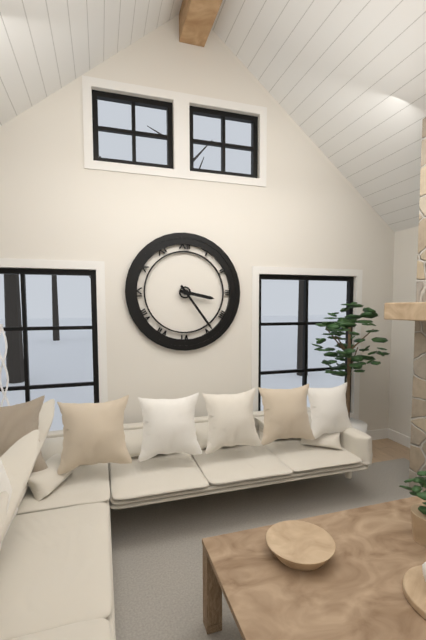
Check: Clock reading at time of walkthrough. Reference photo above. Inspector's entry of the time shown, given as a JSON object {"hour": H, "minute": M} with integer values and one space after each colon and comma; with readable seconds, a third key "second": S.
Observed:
{"hour": 3, "minute": 24}
